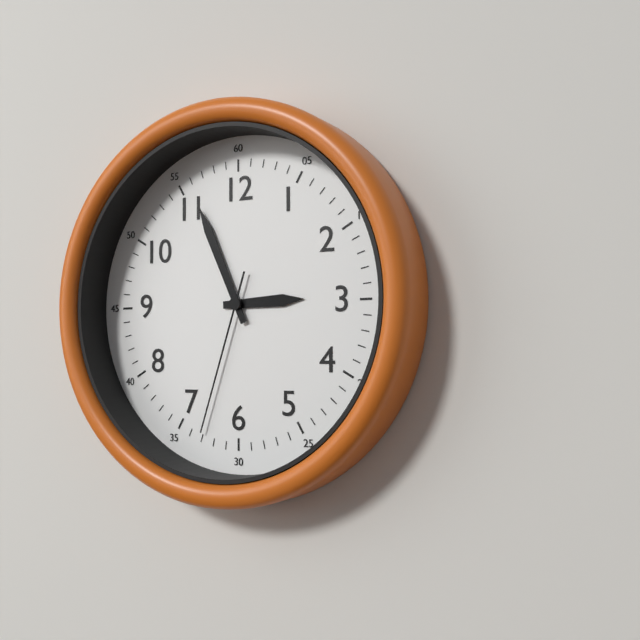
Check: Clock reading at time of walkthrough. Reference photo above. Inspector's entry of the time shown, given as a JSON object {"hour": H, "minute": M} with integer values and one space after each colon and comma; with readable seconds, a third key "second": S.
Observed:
{"hour": 2, "minute": 56, "second": 33}
